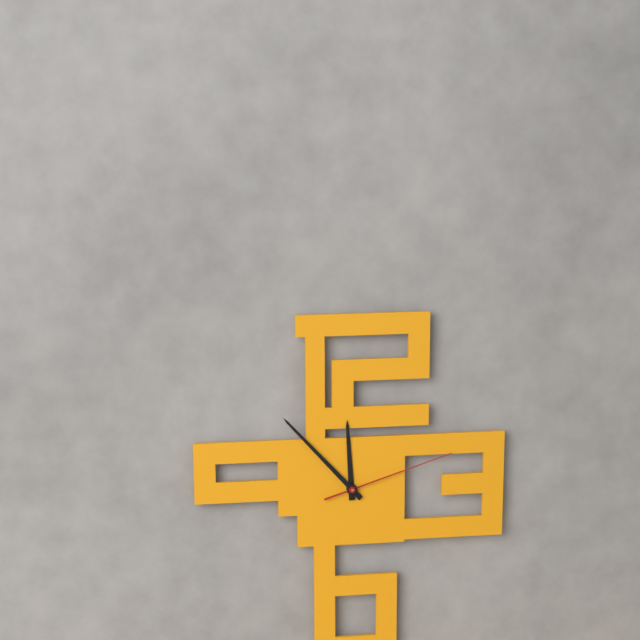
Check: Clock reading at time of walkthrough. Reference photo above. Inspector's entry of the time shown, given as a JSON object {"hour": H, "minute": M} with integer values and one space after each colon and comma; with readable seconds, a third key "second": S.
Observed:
{"hour": 11, "minute": 53, "second": 12}
